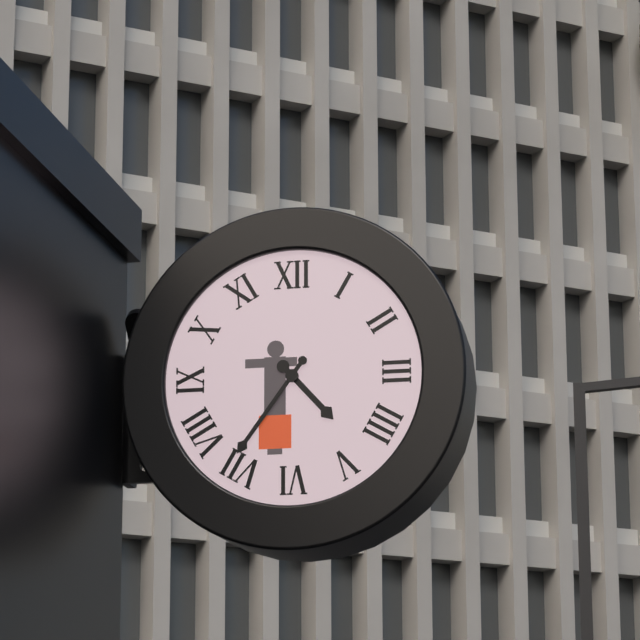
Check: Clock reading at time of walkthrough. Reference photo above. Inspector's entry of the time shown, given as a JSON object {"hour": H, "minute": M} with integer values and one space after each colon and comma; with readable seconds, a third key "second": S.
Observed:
{"hour": 4, "minute": 36}
